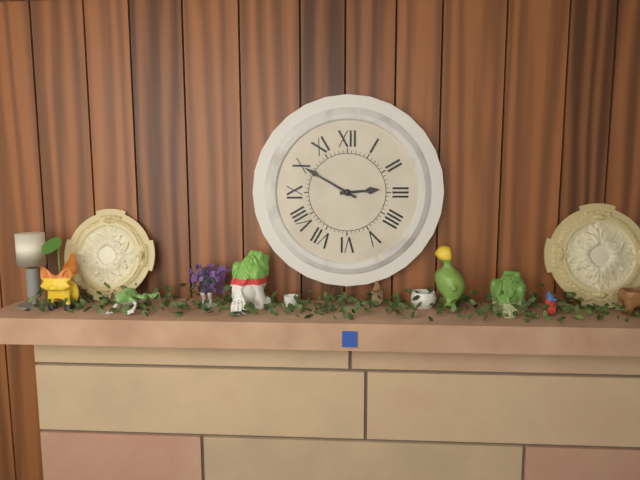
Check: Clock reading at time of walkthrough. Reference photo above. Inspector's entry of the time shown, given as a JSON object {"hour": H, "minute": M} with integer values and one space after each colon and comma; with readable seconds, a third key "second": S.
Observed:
{"hour": 2, "minute": 50}
